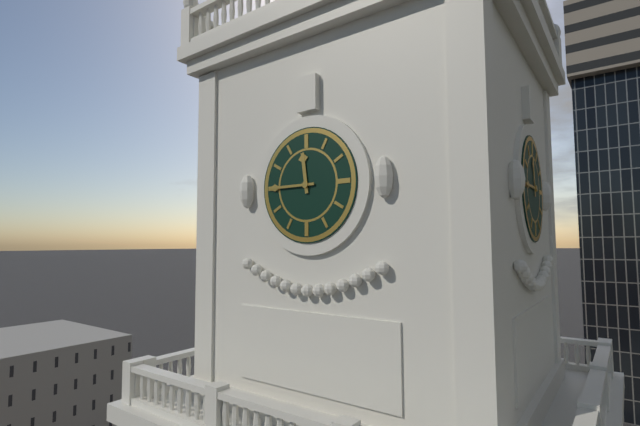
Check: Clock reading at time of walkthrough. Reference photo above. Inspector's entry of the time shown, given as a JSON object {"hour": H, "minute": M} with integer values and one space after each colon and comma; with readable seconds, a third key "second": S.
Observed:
{"hour": 11, "minute": 45}
